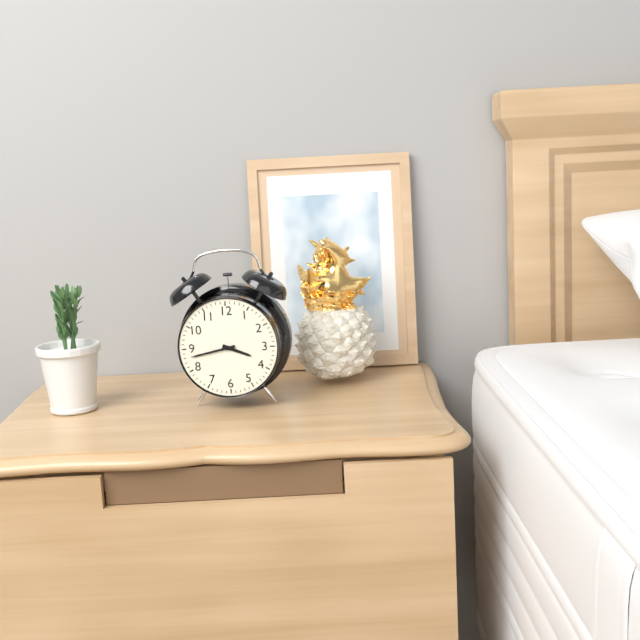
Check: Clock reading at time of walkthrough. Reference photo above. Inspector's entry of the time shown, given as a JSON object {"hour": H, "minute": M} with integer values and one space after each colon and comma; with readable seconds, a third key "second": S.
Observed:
{"hour": 3, "minute": 43}
